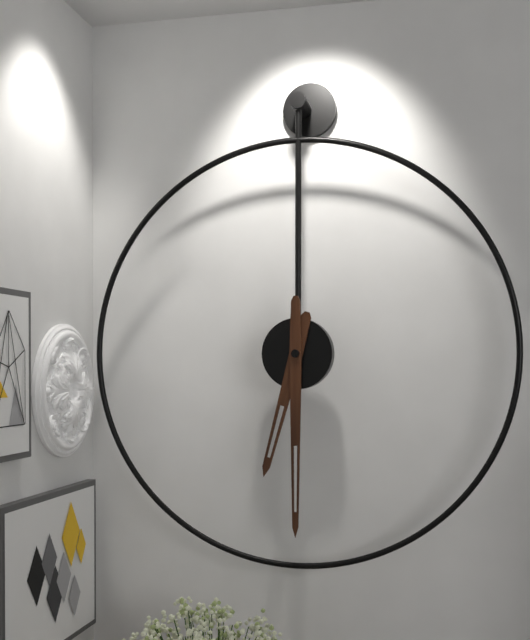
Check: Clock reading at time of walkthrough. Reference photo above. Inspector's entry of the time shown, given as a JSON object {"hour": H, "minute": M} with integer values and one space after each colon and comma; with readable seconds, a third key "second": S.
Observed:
{"hour": 6, "minute": 30}
